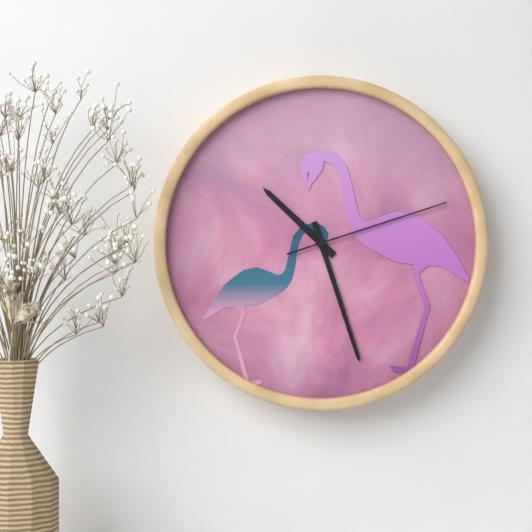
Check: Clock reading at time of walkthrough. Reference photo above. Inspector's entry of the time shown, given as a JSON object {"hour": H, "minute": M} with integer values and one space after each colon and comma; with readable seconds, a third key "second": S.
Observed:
{"hour": 10, "minute": 27, "second": 12}
